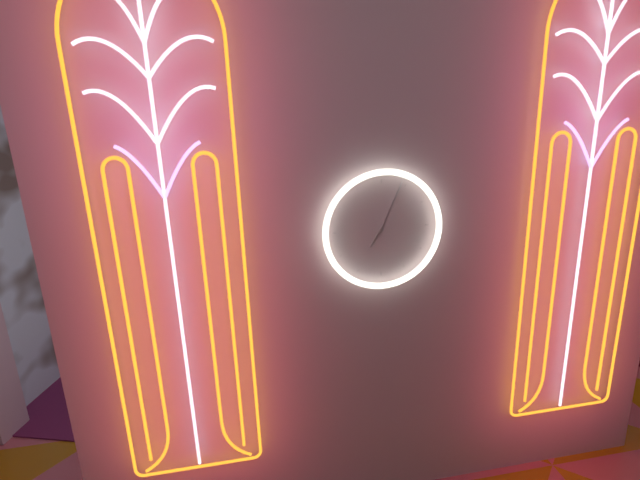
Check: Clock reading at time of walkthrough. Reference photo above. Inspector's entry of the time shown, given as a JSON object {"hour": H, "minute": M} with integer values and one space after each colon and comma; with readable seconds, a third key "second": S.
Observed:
{"hour": 7, "minute": 4}
